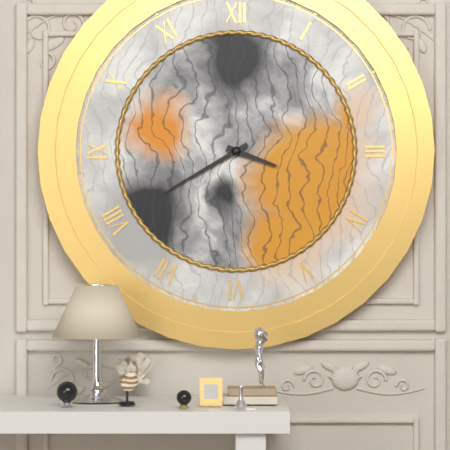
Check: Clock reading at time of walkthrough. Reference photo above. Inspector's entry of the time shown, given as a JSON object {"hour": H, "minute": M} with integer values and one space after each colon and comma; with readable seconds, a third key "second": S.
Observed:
{"hour": 3, "minute": 40}
